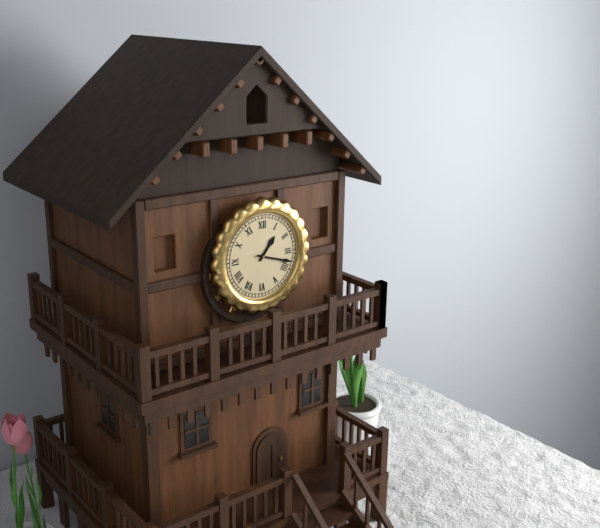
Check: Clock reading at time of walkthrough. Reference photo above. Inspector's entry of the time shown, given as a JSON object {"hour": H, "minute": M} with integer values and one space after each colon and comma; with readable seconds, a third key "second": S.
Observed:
{"hour": 1, "minute": 18}
